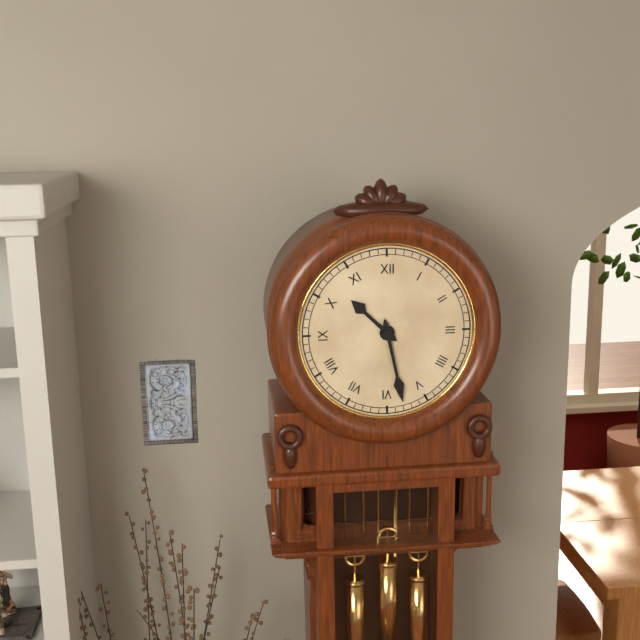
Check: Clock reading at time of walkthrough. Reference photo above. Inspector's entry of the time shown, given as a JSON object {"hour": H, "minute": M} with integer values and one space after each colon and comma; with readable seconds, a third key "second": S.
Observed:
{"hour": 10, "minute": 28}
